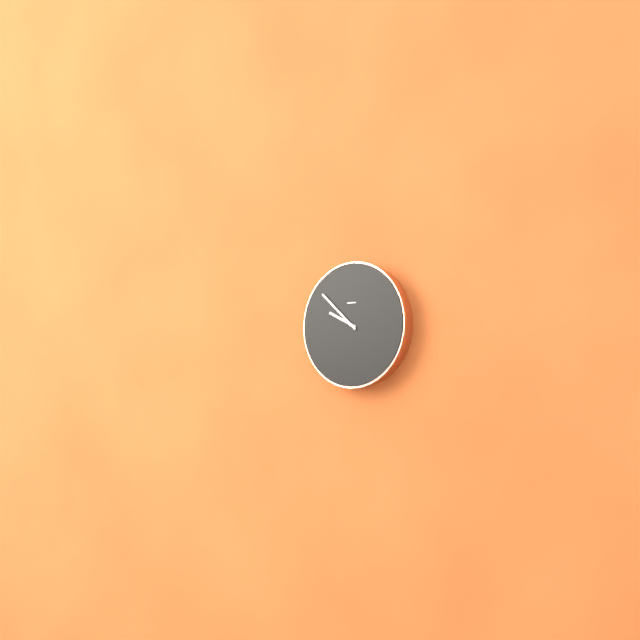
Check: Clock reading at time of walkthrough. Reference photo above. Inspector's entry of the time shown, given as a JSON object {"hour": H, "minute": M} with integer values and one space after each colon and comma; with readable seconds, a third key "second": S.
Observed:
{"hour": 9, "minute": 52}
